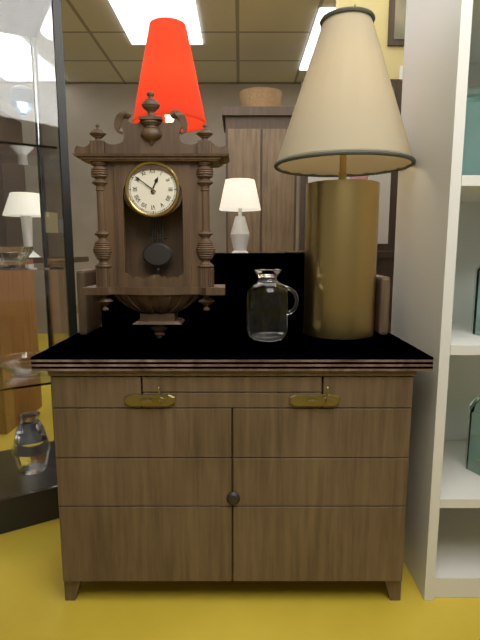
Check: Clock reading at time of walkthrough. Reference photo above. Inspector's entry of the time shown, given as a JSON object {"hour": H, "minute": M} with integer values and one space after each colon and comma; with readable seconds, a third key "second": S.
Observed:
{"hour": 12, "minute": 51}
